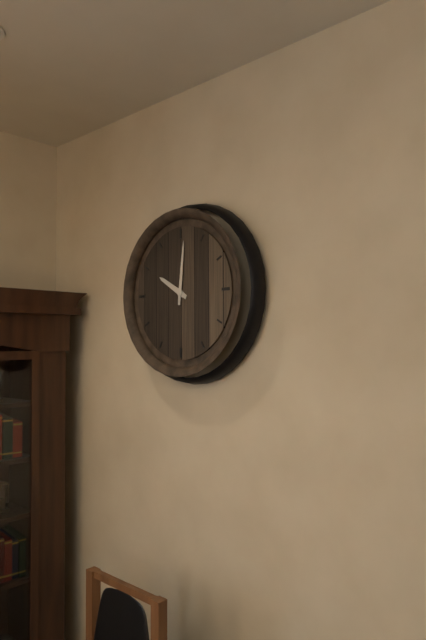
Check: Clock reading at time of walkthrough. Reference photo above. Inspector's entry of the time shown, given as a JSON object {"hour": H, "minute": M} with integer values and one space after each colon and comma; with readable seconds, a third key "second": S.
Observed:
{"hour": 10, "minute": 1}
